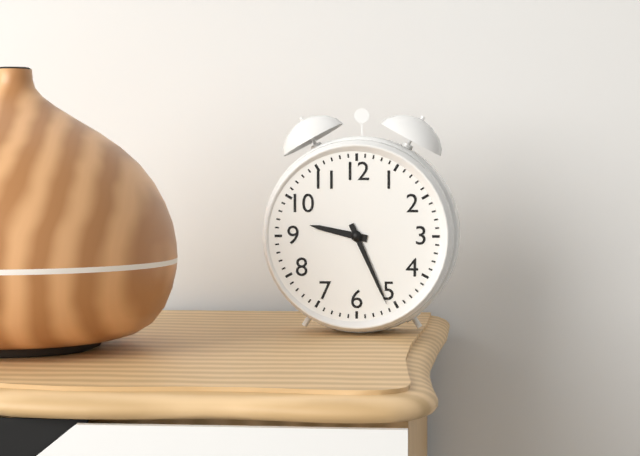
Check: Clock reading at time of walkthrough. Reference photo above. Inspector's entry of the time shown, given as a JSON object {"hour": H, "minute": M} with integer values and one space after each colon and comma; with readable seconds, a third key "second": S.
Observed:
{"hour": 9, "minute": 26}
